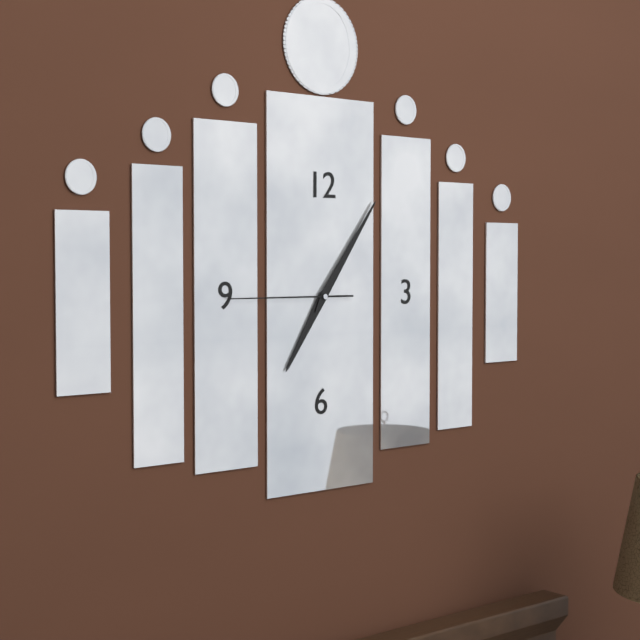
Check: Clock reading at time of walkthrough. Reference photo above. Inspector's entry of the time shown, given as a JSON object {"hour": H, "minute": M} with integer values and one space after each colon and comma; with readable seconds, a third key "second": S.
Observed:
{"hour": 7, "minute": 6, "second": 45}
